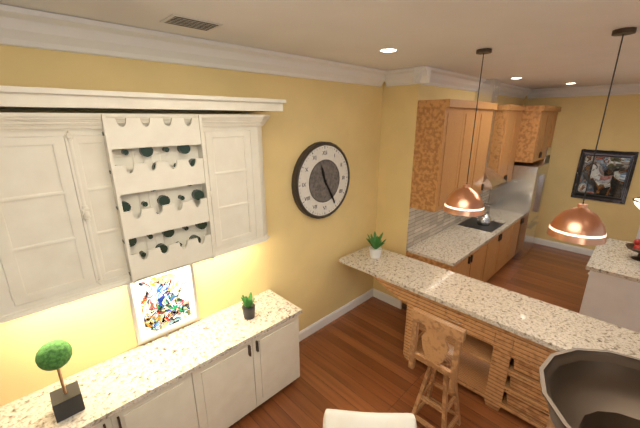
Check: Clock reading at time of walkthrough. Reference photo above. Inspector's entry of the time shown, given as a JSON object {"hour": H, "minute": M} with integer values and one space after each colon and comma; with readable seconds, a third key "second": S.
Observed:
{"hour": 11, "minute": 25}
